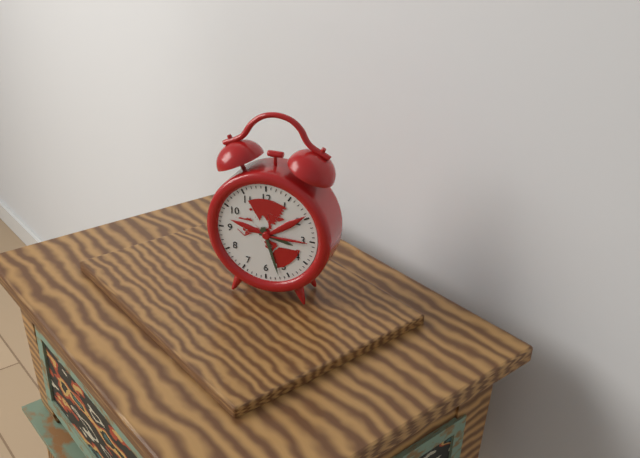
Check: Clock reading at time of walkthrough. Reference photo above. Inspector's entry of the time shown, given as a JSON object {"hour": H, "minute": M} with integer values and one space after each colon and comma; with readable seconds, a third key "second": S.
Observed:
{"hour": 3, "minute": 27}
